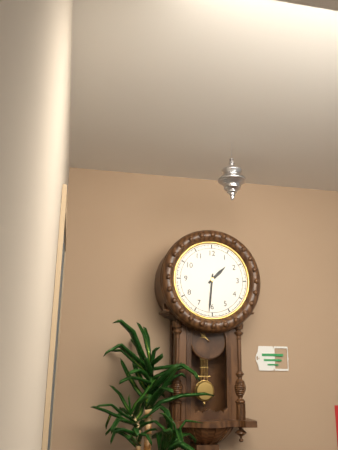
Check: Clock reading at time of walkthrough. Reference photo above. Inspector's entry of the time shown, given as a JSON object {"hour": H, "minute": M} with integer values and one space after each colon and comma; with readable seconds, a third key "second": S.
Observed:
{"hour": 1, "minute": 31}
